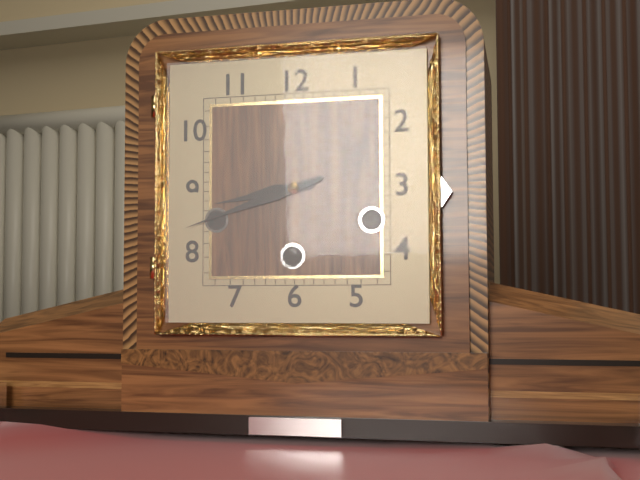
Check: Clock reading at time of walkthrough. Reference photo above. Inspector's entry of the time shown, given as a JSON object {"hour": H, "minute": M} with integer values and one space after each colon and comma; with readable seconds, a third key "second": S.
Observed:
{"hour": 8, "minute": 42}
